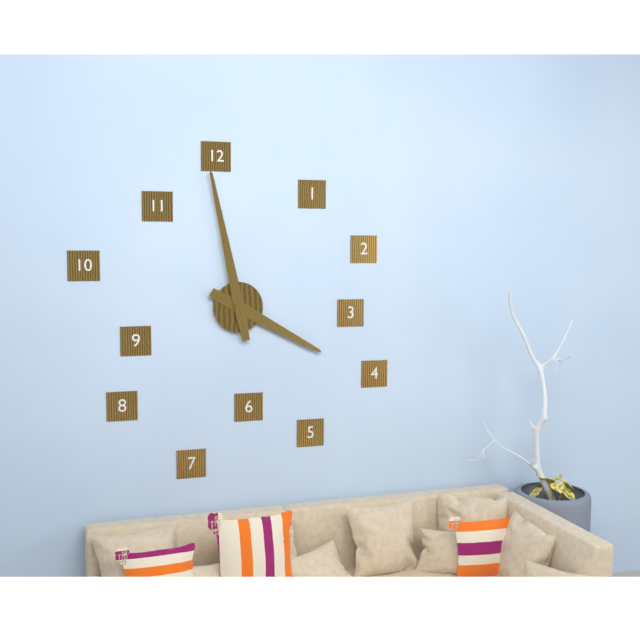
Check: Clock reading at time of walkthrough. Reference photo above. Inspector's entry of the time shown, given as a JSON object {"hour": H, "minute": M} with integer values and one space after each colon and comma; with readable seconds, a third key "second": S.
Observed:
{"hour": 3, "minute": 58}
